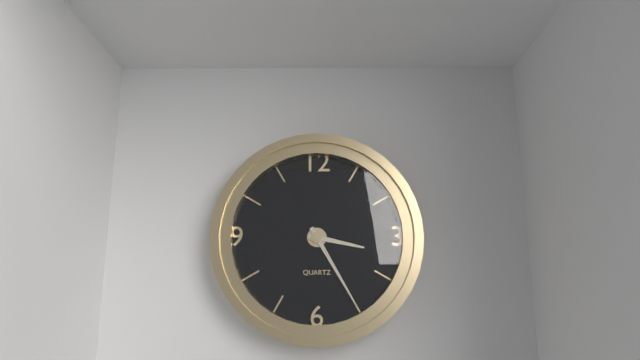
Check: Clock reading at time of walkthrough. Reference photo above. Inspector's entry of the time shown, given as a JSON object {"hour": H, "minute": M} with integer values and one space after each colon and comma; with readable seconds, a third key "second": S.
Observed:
{"hour": 3, "minute": 25}
